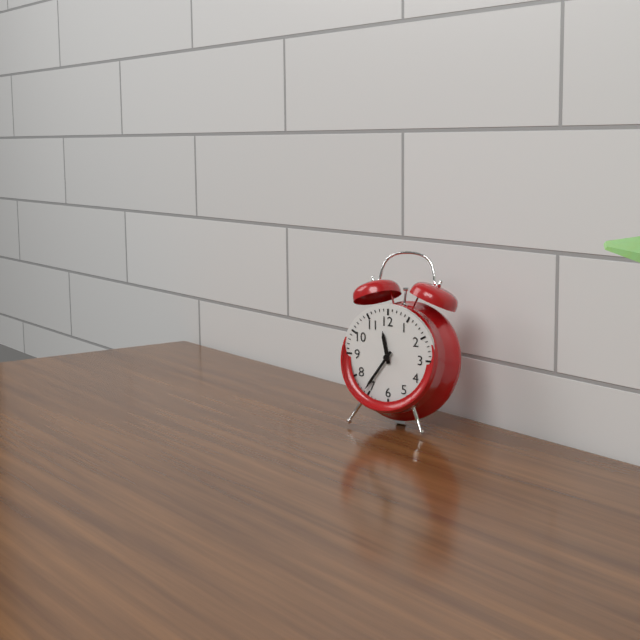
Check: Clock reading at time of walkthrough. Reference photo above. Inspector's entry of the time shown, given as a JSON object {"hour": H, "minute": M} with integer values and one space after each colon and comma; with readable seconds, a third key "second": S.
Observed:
{"hour": 11, "minute": 36}
